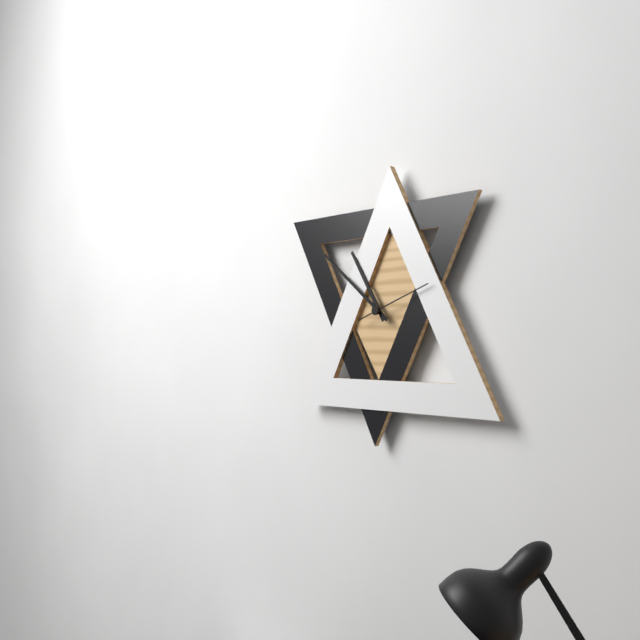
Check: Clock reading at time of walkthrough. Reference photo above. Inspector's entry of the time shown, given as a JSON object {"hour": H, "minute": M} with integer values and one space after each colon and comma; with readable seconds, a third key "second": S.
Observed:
{"hour": 10, "minute": 51, "second": 12}
